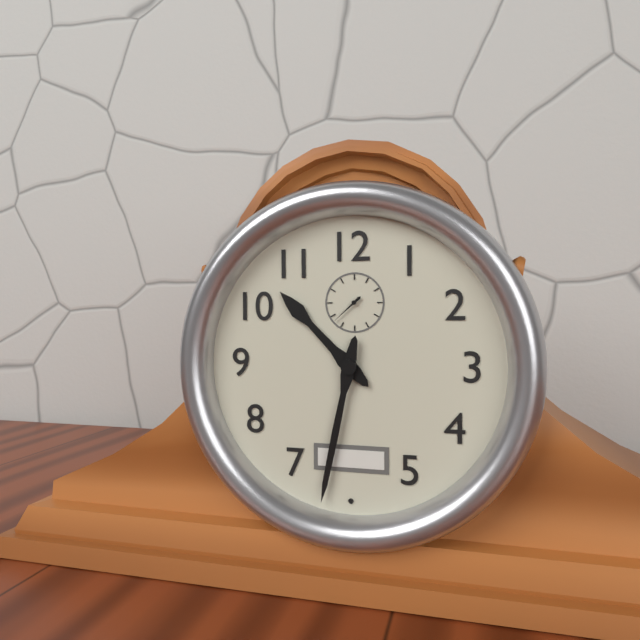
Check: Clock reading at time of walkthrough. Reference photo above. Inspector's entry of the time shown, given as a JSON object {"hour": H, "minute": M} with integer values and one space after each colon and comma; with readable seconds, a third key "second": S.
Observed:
{"hour": 10, "minute": 32}
